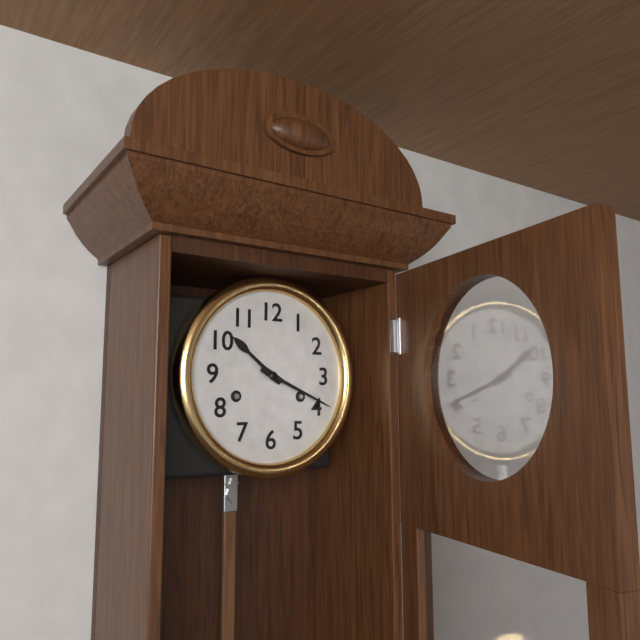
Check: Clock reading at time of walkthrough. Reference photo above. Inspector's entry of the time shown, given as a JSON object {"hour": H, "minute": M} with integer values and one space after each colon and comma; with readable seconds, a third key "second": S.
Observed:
{"hour": 10, "minute": 19}
